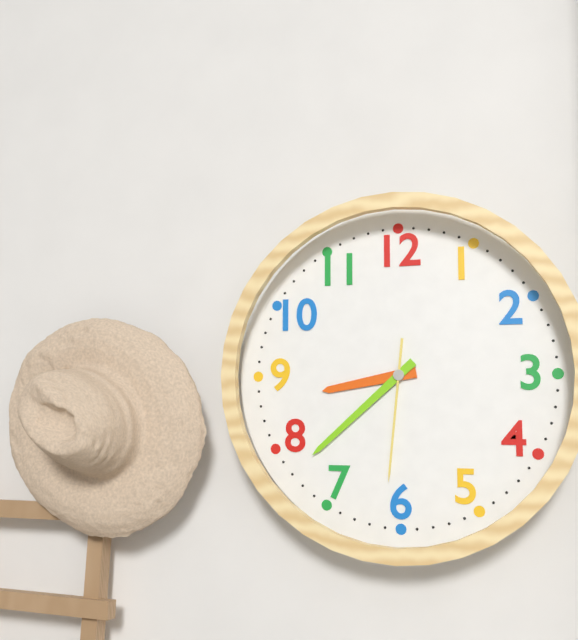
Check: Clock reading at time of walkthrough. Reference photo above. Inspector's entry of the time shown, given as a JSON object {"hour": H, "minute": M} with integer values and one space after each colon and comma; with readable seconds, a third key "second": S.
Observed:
{"hour": 8, "minute": 38, "second": 31}
